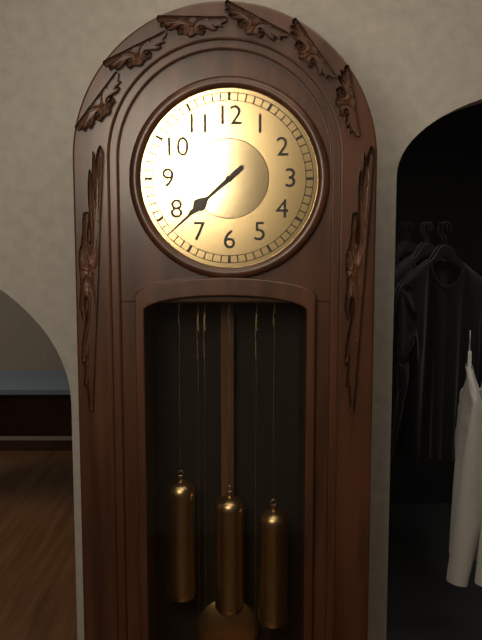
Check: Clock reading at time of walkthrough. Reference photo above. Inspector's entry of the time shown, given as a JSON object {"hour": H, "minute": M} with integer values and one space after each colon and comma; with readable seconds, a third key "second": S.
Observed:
{"hour": 7, "minute": 38}
